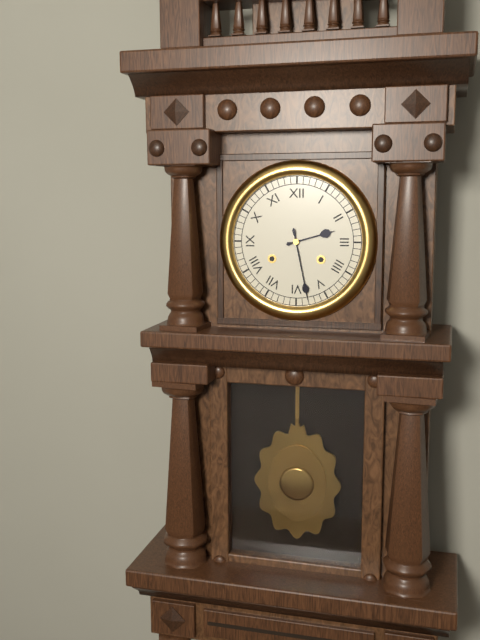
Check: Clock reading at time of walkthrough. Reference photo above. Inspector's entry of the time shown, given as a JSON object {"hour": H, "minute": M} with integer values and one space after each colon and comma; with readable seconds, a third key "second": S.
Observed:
{"hour": 2, "minute": 28}
